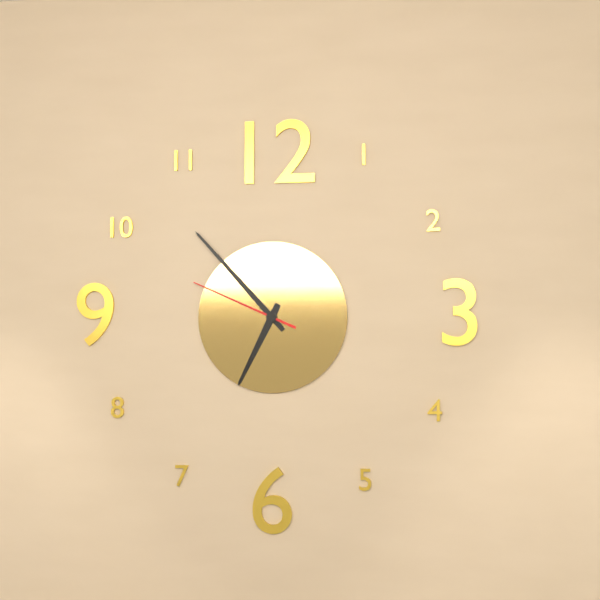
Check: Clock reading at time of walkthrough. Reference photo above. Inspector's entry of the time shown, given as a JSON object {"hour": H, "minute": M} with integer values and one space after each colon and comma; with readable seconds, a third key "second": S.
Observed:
{"hour": 6, "minute": 53, "second": 49}
